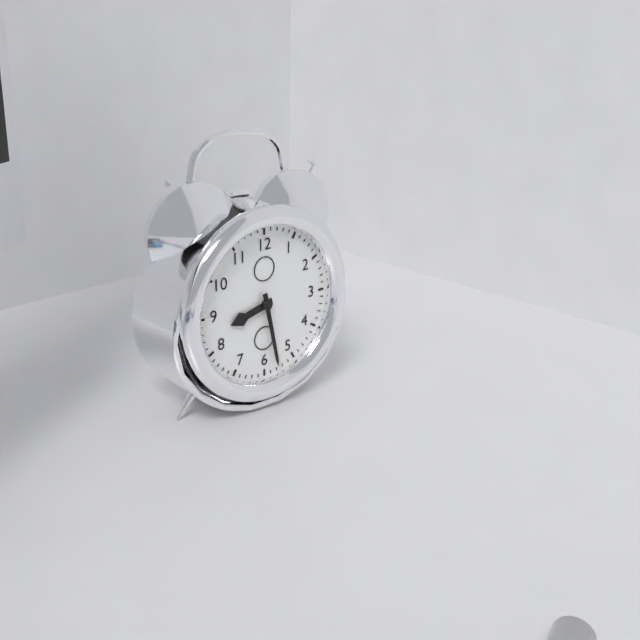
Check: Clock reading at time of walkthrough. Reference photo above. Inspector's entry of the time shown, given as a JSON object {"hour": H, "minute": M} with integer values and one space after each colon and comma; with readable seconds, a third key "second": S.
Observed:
{"hour": 8, "minute": 28}
